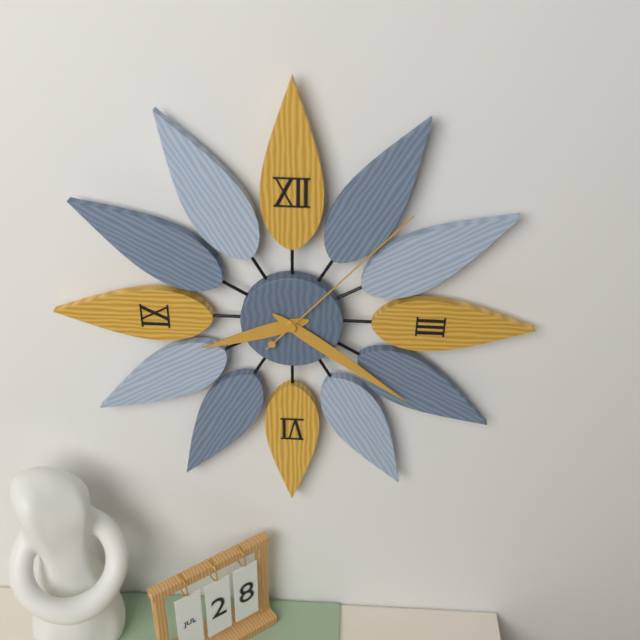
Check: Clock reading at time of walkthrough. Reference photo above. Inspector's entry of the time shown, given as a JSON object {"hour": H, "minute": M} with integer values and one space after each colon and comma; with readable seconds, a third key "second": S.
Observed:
{"hour": 8, "minute": 21, "second": 7}
